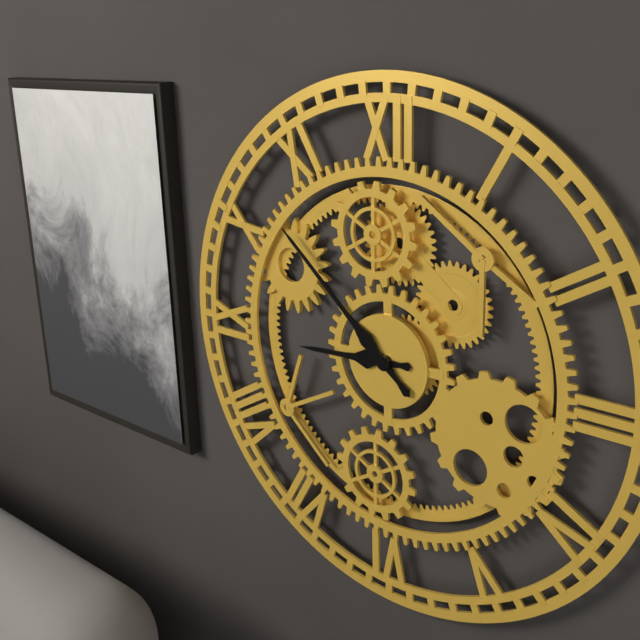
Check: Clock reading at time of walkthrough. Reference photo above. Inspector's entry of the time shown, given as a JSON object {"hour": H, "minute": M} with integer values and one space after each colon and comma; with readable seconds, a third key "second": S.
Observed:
{"hour": 8, "minute": 52}
